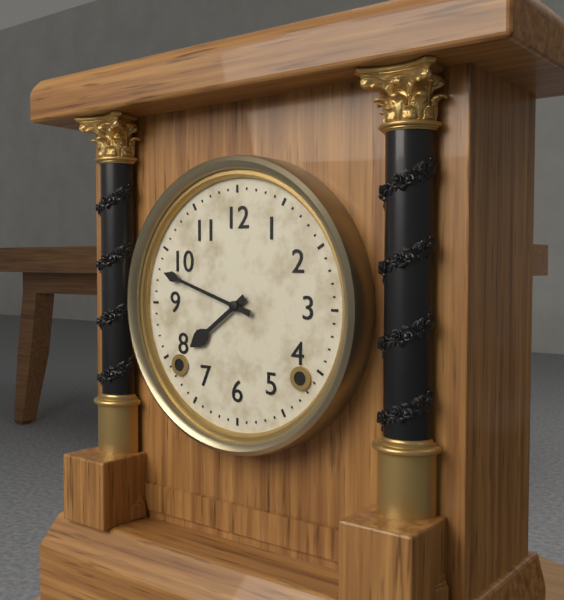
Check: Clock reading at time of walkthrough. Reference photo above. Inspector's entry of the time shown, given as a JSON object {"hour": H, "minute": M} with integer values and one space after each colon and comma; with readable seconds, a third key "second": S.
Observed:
{"hour": 7, "minute": 48}
